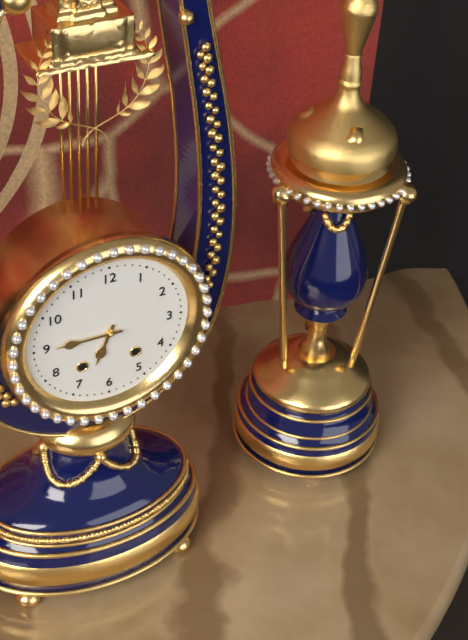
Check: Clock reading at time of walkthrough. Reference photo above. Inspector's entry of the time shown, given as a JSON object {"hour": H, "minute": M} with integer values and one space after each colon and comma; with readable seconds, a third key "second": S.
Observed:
{"hour": 6, "minute": 45}
